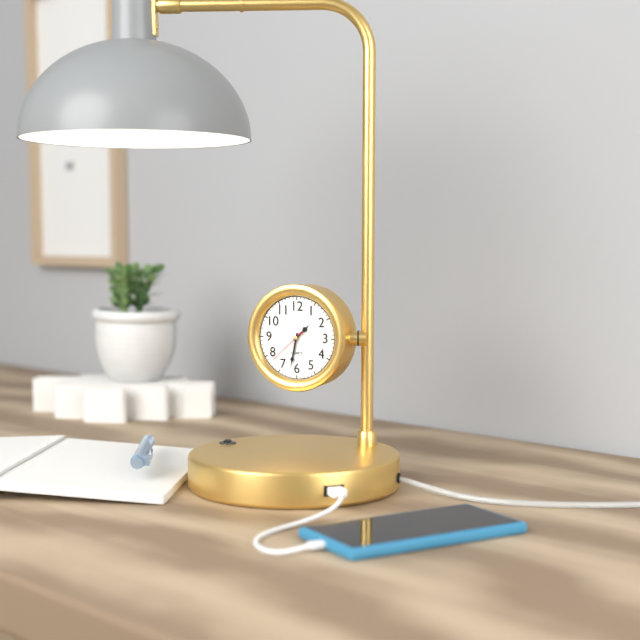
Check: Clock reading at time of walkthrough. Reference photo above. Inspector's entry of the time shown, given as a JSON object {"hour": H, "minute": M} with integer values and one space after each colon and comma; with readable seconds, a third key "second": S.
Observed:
{"hour": 1, "minute": 32}
